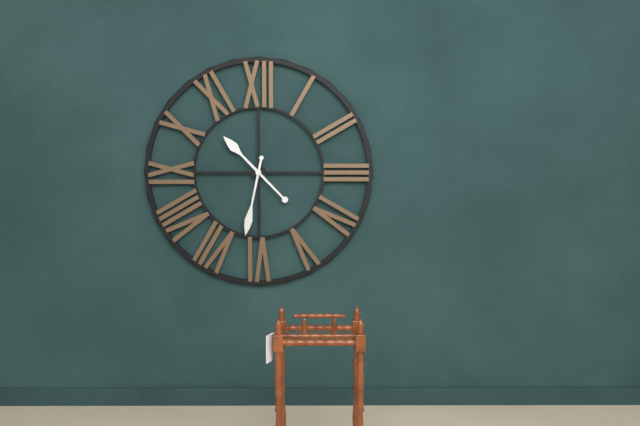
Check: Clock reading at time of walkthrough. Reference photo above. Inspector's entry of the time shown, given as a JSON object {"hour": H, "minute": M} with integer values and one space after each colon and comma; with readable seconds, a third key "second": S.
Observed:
{"hour": 10, "minute": 32}
